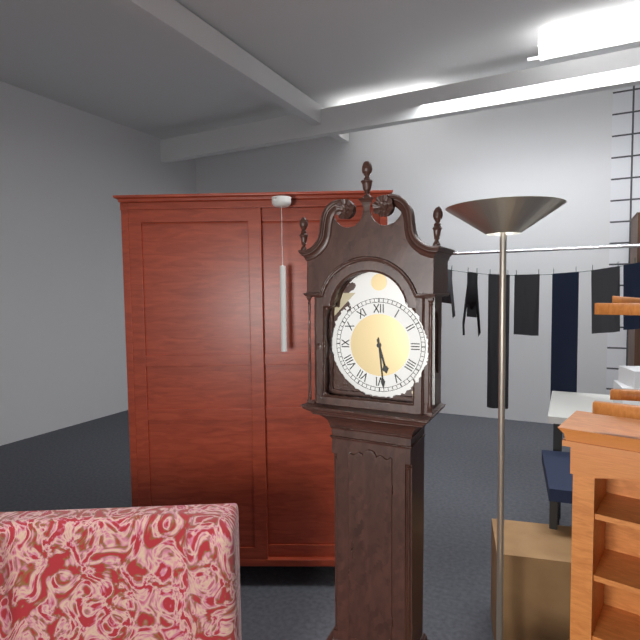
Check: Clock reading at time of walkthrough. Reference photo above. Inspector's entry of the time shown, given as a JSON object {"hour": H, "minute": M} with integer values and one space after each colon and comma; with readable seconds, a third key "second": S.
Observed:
{"hour": 5, "minute": 29}
